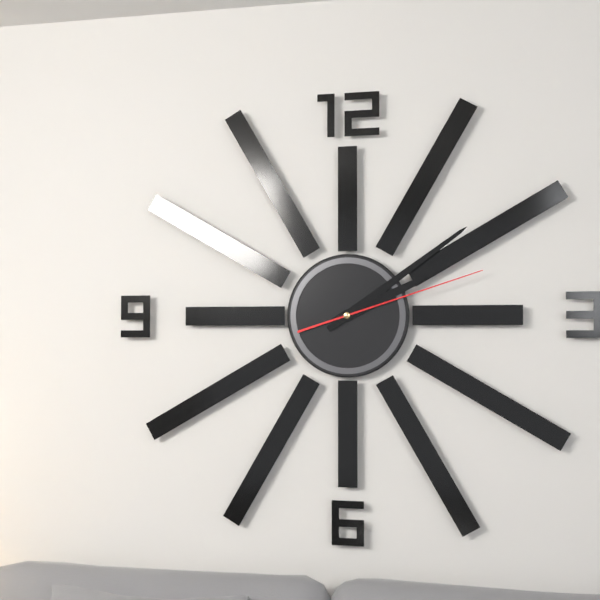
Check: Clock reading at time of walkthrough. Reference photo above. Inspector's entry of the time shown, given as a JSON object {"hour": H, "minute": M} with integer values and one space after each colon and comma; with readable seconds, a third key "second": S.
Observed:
{"hour": 2, "minute": 9, "second": 12}
